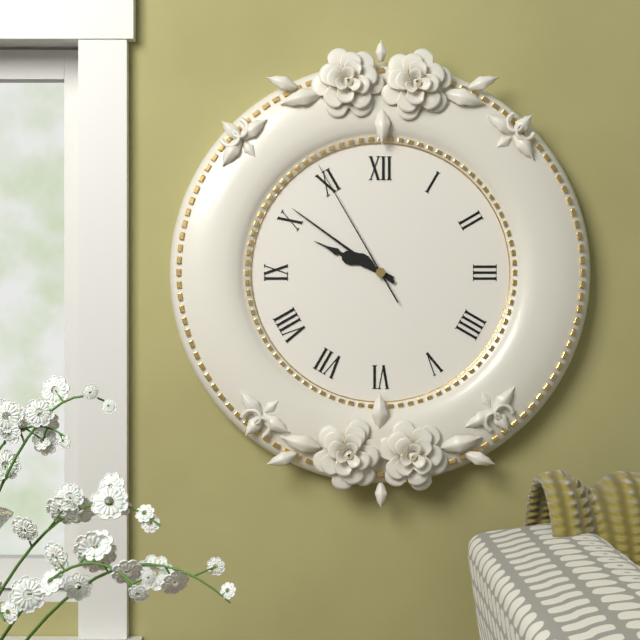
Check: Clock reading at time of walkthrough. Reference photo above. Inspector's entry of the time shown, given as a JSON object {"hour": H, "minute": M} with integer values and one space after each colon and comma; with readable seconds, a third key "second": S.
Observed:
{"hour": 9, "minute": 51, "second": 55}
